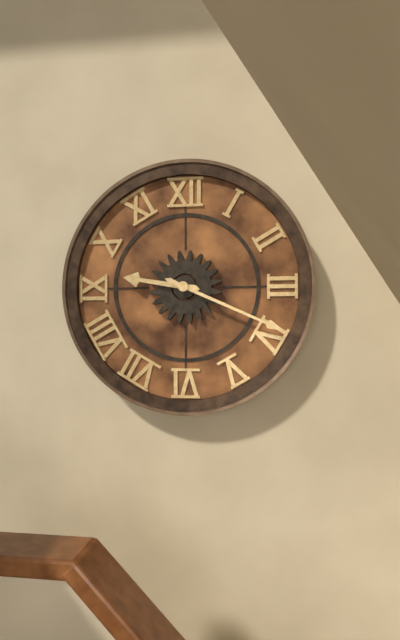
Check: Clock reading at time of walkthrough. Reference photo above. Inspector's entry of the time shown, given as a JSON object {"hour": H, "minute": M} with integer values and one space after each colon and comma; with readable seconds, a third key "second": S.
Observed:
{"hour": 9, "minute": 19}
